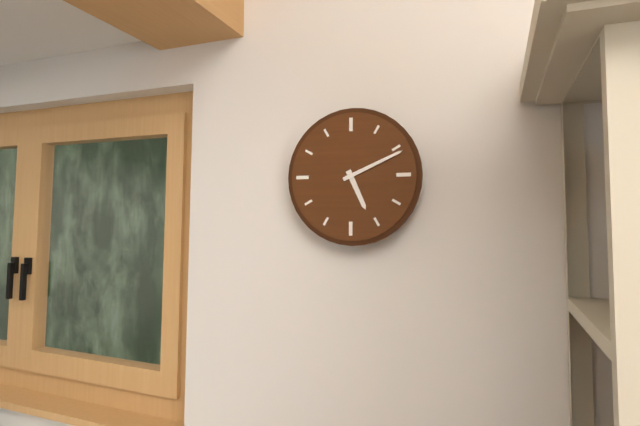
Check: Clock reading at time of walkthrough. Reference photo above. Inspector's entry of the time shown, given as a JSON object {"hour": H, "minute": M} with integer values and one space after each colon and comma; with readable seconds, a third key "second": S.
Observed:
{"hour": 5, "minute": 11}
